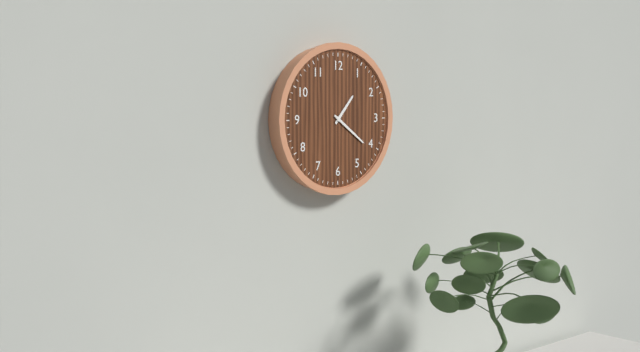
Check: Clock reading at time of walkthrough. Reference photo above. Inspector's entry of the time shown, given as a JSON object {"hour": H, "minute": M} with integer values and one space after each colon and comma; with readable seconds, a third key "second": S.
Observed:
{"hour": 1, "minute": 21}
